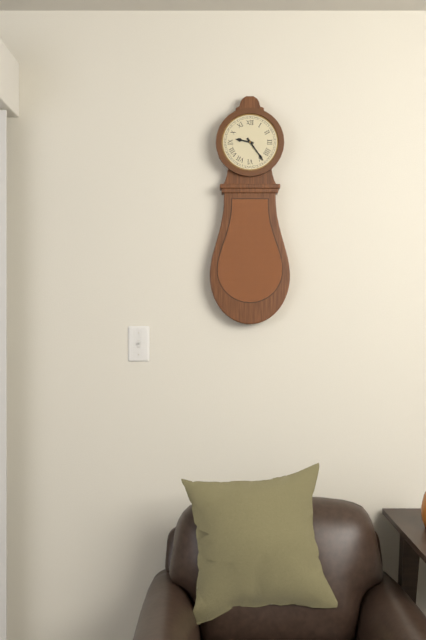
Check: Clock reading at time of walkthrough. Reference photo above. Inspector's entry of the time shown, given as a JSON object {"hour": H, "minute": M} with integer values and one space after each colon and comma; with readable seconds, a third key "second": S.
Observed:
{"hour": 9, "minute": 24}
